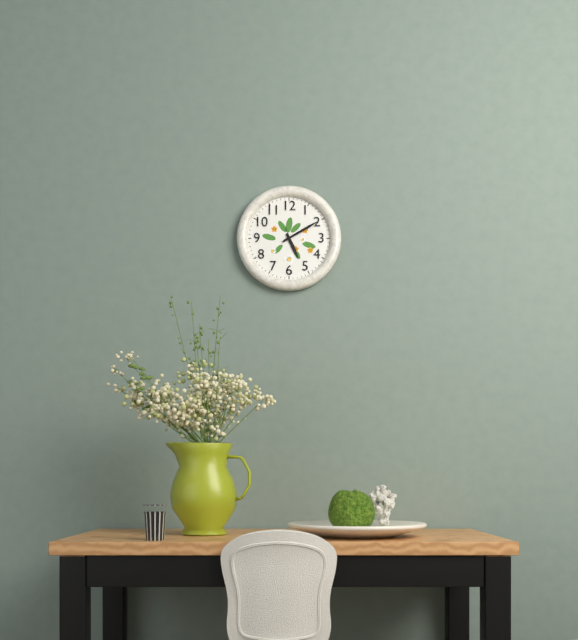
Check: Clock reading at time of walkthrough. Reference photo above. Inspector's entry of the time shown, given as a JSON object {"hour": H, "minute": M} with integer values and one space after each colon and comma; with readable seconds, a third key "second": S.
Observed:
{"hour": 5, "minute": 10}
